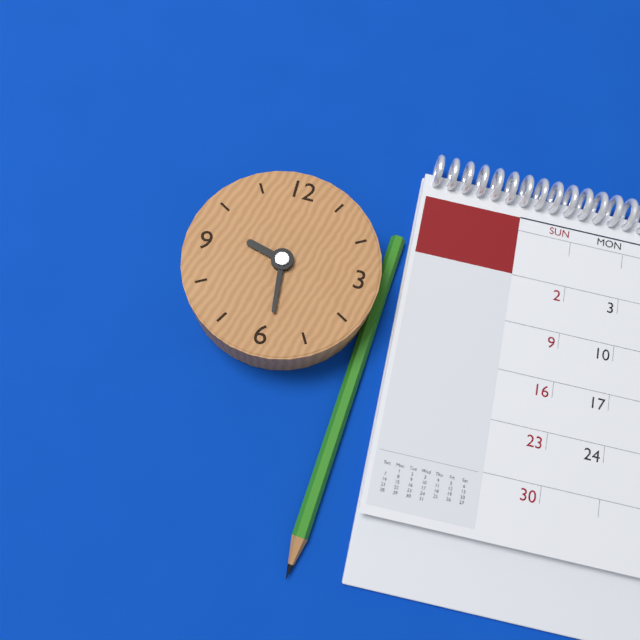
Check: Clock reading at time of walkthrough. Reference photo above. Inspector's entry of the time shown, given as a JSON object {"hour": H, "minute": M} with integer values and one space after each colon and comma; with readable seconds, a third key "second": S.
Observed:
{"hour": 9, "minute": 29}
